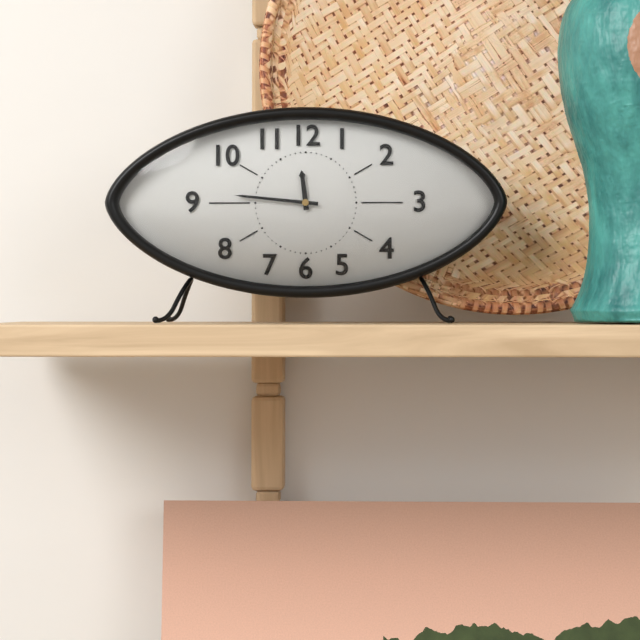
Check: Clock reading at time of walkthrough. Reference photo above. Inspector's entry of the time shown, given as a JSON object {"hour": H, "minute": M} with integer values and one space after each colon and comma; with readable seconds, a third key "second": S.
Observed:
{"hour": 11, "minute": 46}
